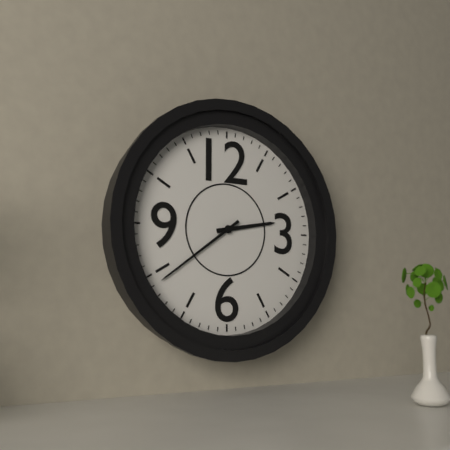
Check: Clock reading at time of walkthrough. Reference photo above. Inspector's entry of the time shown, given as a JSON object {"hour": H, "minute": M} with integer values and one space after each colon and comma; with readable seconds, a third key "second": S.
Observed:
{"hour": 2, "minute": 39}
